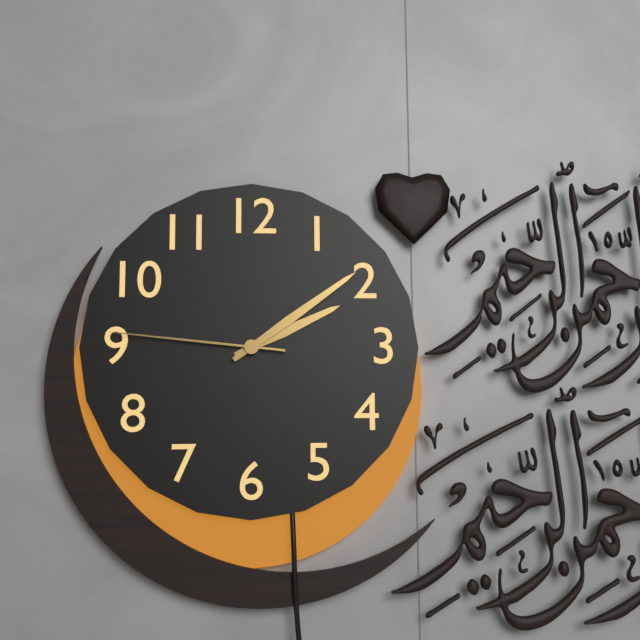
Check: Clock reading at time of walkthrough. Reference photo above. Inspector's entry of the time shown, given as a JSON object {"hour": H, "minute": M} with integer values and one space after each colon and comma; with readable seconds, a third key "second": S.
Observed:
{"hour": 2, "minute": 9, "second": 46}
